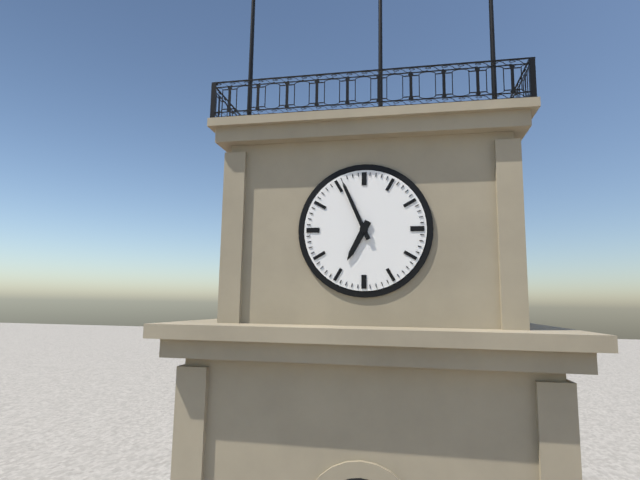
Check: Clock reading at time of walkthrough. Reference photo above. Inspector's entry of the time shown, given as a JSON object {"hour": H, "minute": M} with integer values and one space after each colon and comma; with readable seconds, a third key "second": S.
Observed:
{"hour": 6, "minute": 56}
